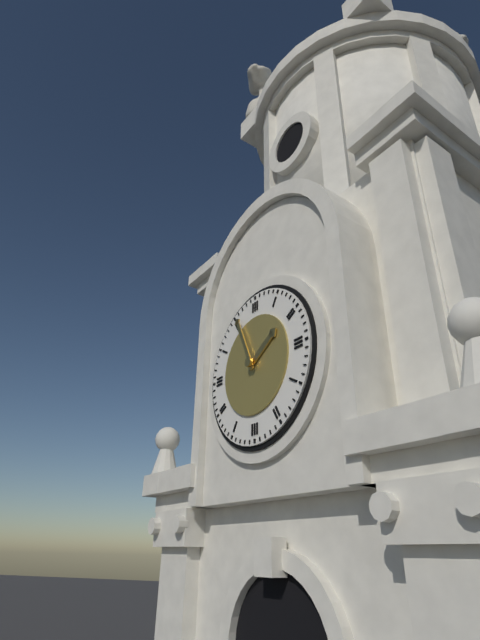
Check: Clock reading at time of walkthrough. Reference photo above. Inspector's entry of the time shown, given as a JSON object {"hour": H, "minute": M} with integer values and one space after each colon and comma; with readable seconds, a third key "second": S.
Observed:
{"hour": 1, "minute": 56}
